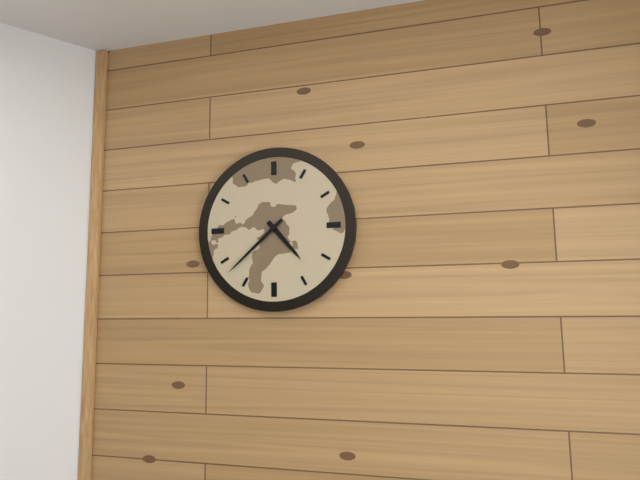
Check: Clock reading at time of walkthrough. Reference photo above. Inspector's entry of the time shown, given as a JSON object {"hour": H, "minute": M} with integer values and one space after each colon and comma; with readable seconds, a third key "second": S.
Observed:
{"hour": 4, "minute": 38}
